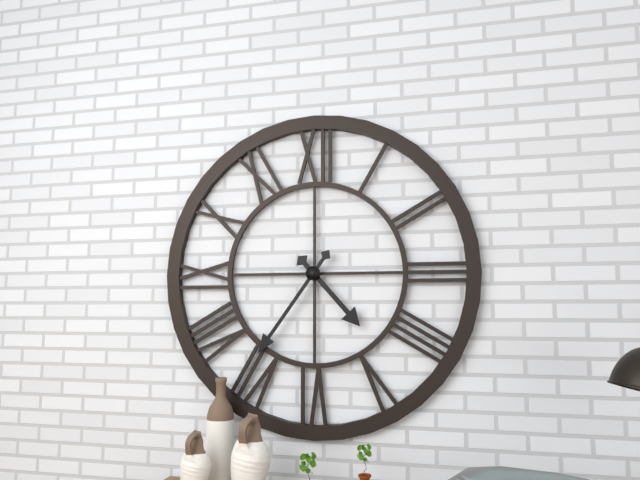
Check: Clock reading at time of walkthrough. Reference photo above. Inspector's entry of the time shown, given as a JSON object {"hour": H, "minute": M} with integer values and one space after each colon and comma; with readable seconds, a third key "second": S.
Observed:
{"hour": 4, "minute": 36}
